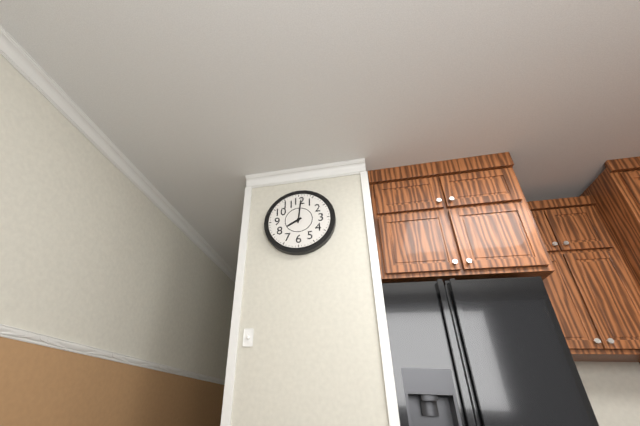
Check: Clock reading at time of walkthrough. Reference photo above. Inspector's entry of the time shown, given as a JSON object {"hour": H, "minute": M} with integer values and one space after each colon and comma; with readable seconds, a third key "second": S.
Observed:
{"hour": 8, "minute": 1}
